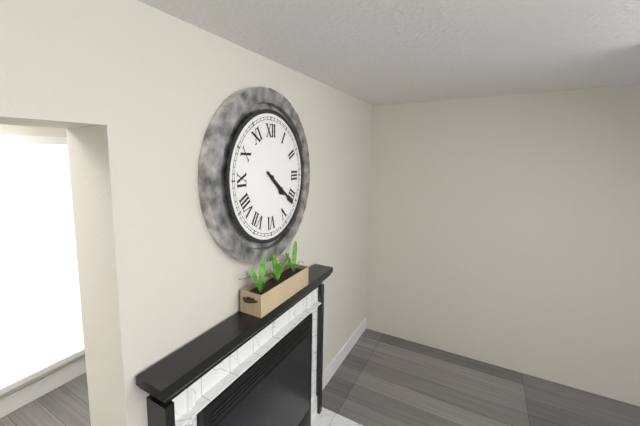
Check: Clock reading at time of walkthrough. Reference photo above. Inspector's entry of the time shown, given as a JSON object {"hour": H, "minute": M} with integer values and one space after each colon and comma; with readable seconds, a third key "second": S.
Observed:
{"hour": 4, "minute": 21}
